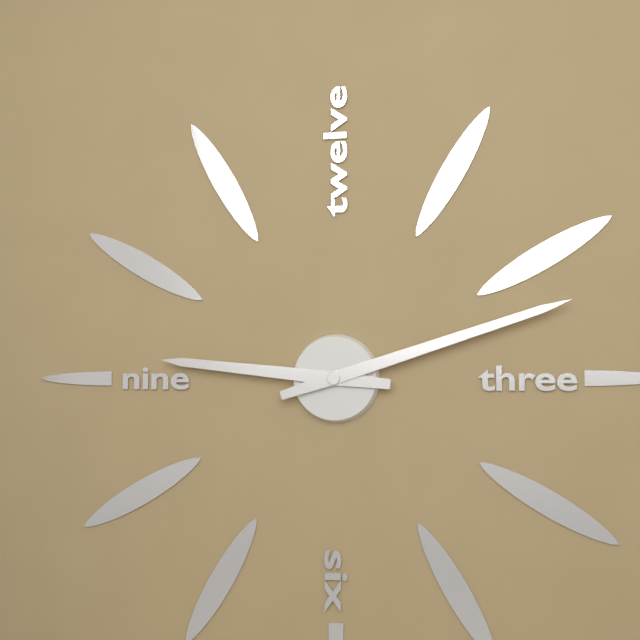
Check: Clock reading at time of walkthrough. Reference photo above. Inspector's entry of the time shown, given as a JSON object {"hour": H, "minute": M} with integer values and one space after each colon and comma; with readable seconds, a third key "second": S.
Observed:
{"hour": 9, "minute": 12}
